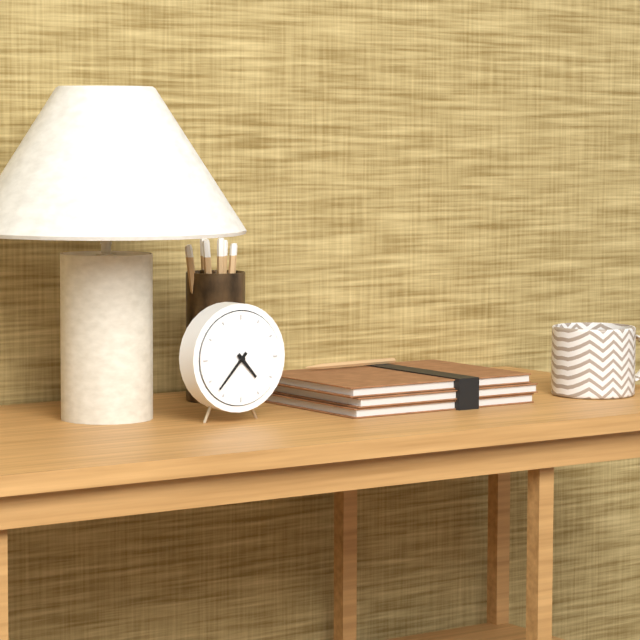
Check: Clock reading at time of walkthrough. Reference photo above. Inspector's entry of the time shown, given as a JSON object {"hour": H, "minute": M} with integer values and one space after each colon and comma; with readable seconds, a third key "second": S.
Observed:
{"hour": 4, "minute": 37}
